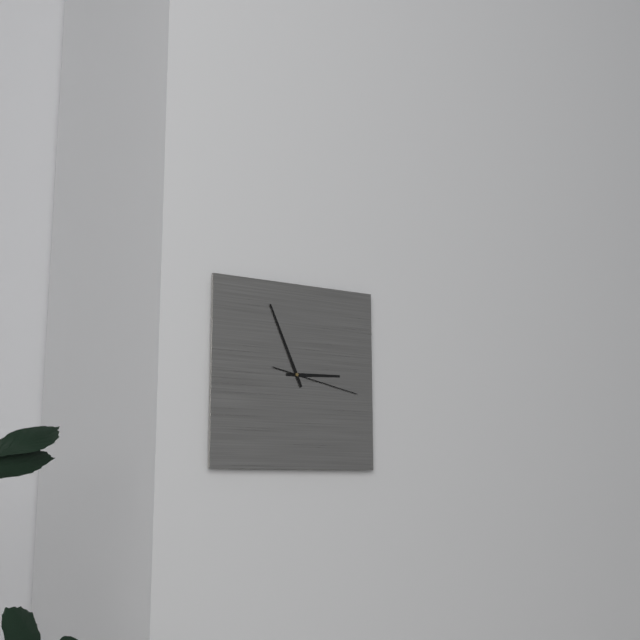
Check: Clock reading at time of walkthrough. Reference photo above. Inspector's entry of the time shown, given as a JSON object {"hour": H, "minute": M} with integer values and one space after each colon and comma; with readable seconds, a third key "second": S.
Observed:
{"hour": 2, "minute": 56, "second": 17}
